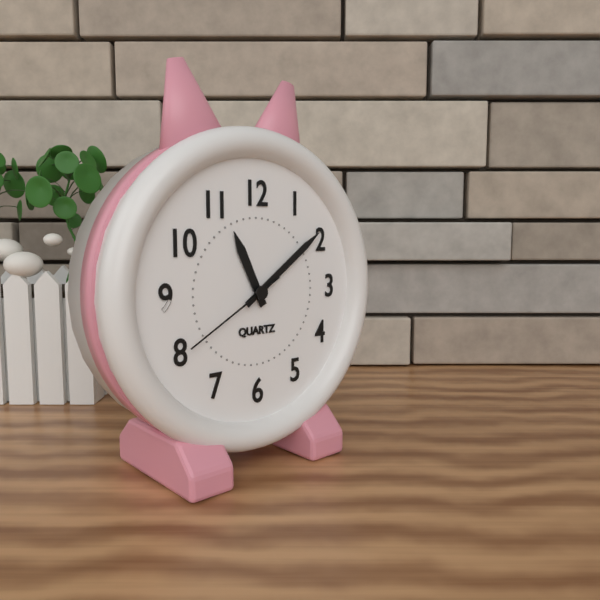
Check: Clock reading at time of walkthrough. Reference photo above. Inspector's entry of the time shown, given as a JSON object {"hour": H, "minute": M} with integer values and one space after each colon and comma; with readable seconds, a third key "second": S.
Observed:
{"hour": 11, "minute": 9, "second": 40}
